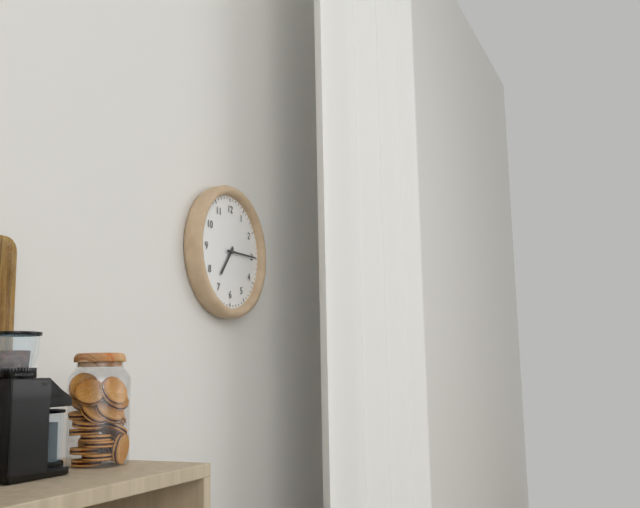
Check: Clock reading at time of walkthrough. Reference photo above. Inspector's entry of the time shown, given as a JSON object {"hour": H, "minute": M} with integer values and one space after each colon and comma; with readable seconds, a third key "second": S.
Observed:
{"hour": 7, "minute": 15}
